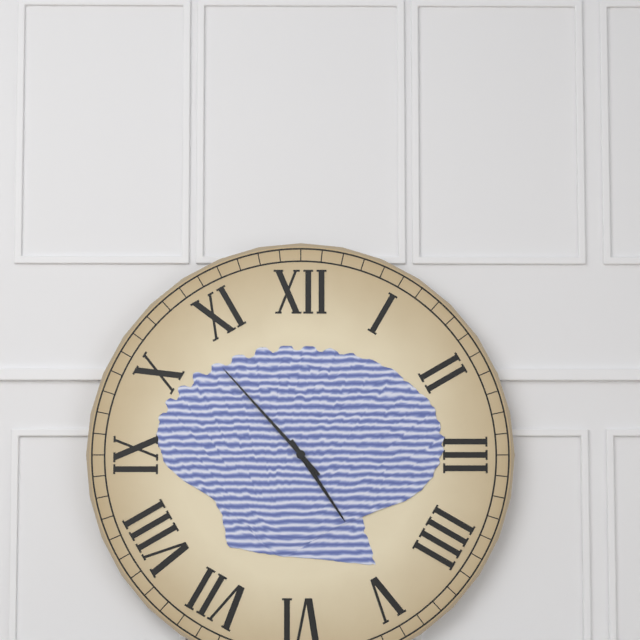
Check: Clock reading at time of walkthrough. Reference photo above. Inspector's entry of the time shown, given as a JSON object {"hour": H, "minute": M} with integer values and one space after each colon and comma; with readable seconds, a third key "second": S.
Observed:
{"hour": 4, "minute": 53}
